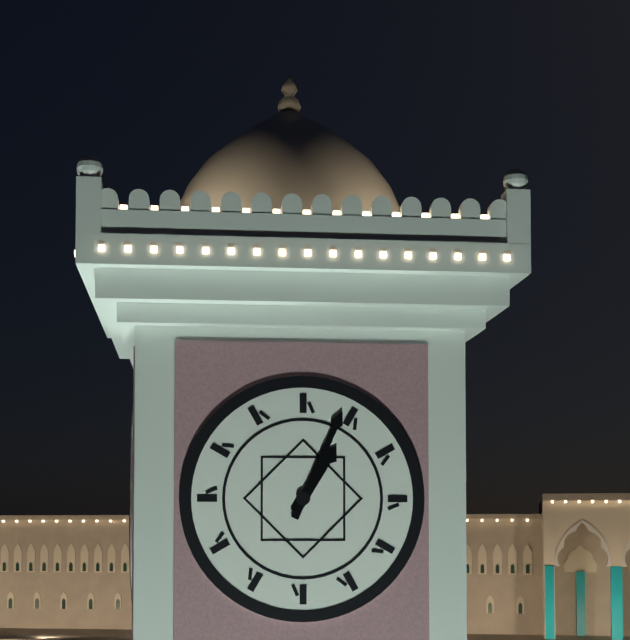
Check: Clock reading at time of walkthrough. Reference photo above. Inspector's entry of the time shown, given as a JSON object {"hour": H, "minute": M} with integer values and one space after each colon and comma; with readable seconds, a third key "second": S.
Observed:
{"hour": 1, "minute": 4}
